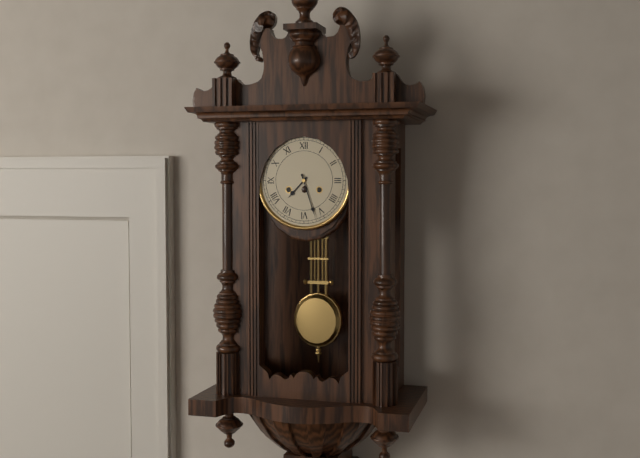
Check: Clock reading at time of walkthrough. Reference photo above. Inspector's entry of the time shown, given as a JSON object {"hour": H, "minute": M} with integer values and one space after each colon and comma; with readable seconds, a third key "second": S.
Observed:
{"hour": 7, "minute": 27}
